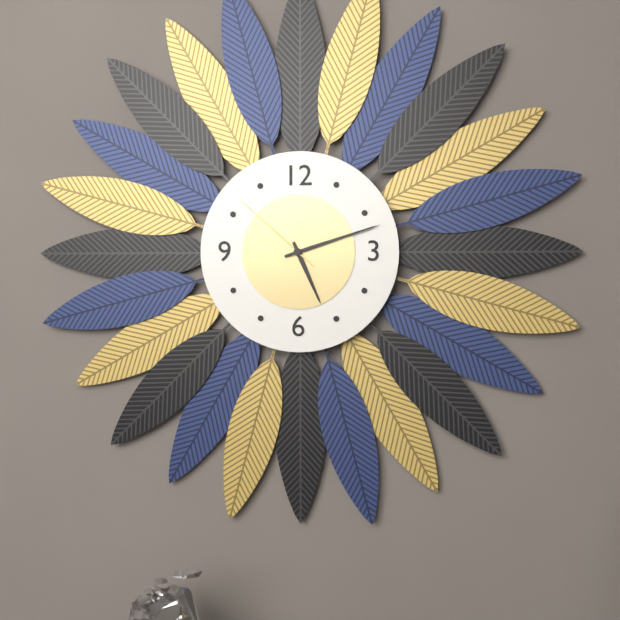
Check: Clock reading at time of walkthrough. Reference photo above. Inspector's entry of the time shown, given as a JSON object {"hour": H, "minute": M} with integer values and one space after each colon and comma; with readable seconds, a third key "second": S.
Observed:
{"hour": 5, "minute": 12, "second": 52}
